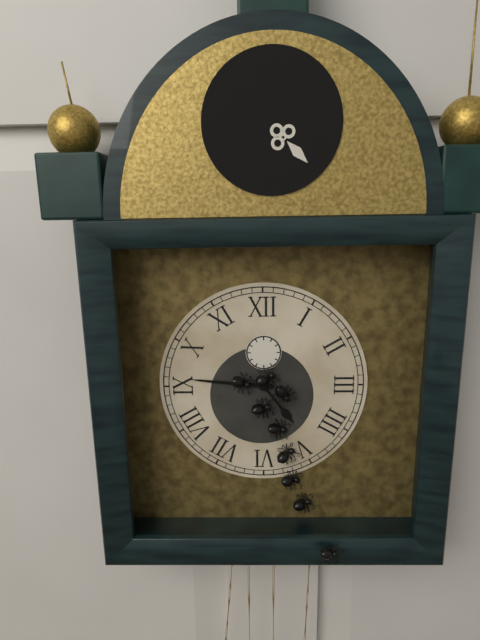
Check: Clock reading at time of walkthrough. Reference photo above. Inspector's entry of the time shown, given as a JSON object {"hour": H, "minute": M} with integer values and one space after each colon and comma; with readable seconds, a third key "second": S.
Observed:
{"hour": 4, "minute": 46}
